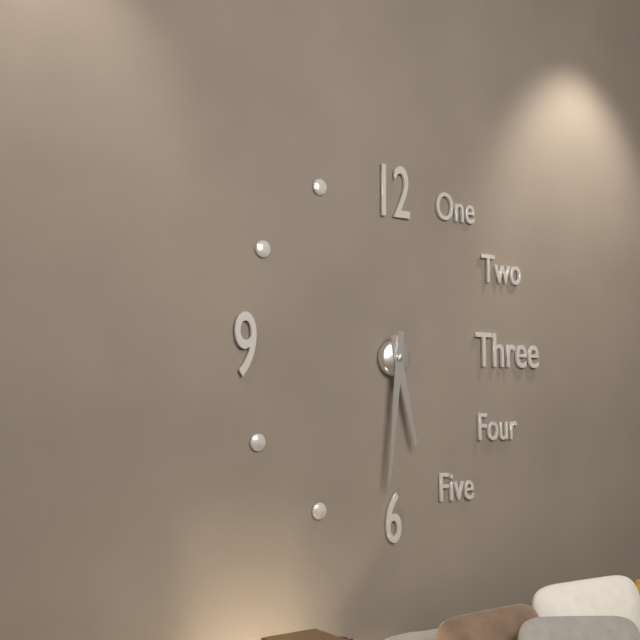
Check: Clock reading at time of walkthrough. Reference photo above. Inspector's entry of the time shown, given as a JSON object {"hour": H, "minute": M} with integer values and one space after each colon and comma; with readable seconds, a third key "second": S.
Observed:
{"hour": 5, "minute": 31}
